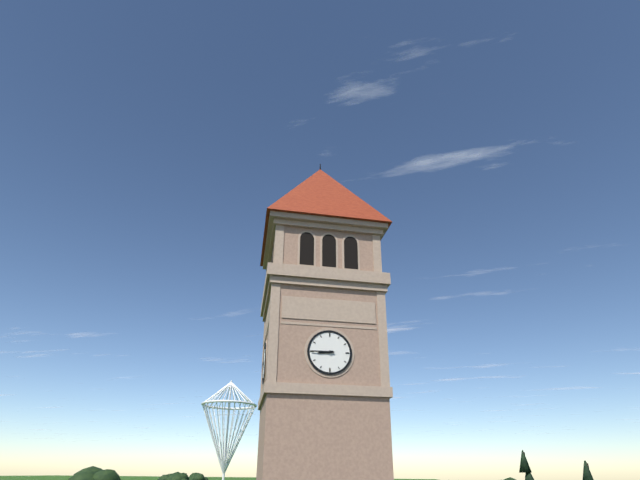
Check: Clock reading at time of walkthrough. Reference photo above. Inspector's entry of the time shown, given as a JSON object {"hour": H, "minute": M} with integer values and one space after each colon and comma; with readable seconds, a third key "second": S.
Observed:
{"hour": 8, "minute": 45}
